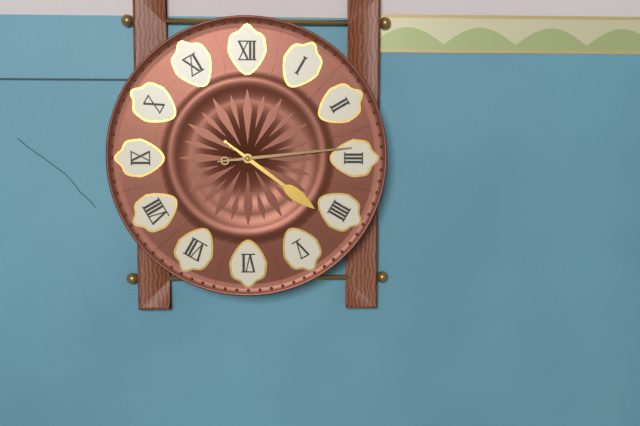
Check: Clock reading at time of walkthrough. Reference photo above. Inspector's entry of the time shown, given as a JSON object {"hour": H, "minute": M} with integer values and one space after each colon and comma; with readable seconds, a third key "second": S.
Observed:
{"hour": 4, "minute": 14}
